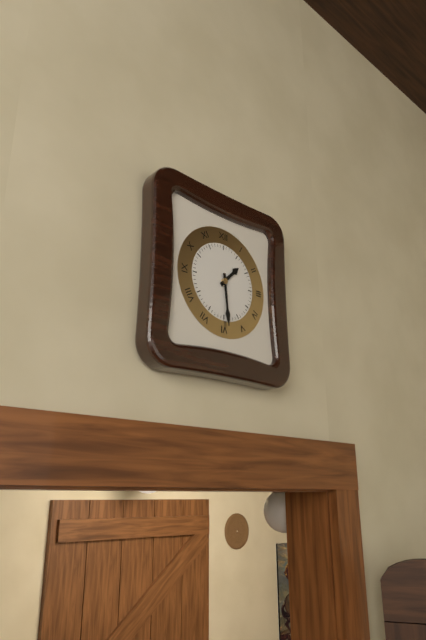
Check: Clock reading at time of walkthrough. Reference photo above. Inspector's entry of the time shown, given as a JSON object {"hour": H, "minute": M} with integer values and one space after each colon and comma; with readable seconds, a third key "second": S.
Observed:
{"hour": 1, "minute": 29}
